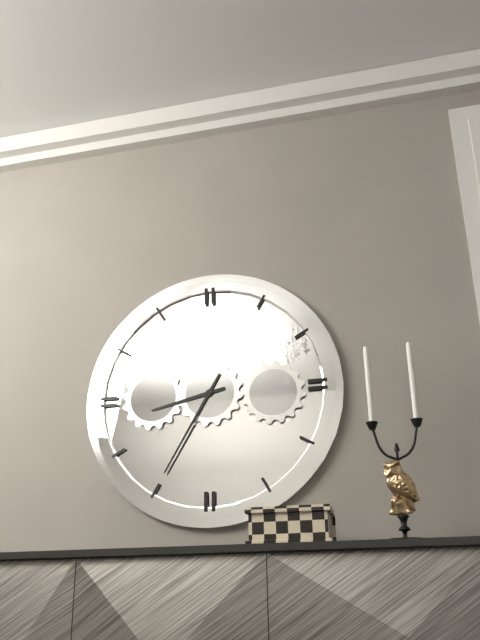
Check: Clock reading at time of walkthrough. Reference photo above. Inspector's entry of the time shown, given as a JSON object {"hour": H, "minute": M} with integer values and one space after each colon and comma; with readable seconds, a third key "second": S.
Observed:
{"hour": 8, "minute": 35}
